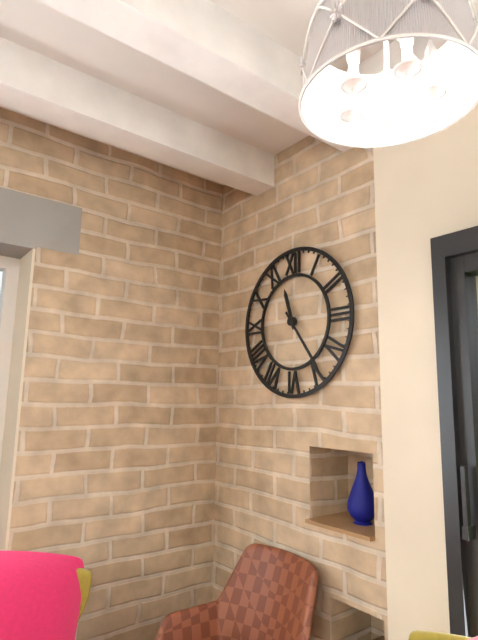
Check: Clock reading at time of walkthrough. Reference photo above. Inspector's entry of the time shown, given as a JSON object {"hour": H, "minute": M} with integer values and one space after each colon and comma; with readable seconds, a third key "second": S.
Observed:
{"hour": 11, "minute": 24}
